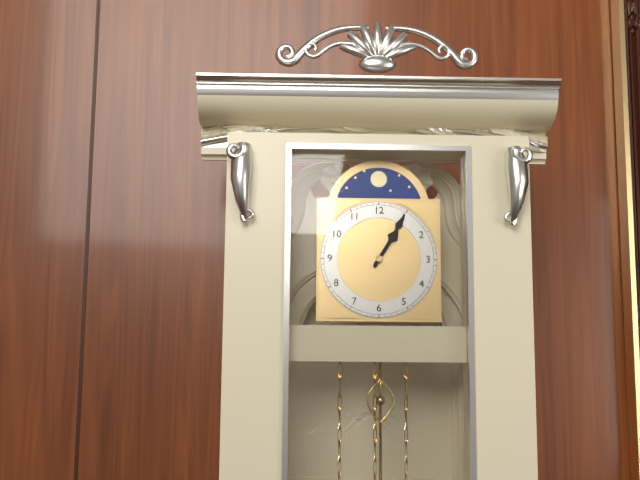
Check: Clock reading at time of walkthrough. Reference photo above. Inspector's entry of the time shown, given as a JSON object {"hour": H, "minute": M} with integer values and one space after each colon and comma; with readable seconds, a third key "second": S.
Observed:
{"hour": 1, "minute": 5}
